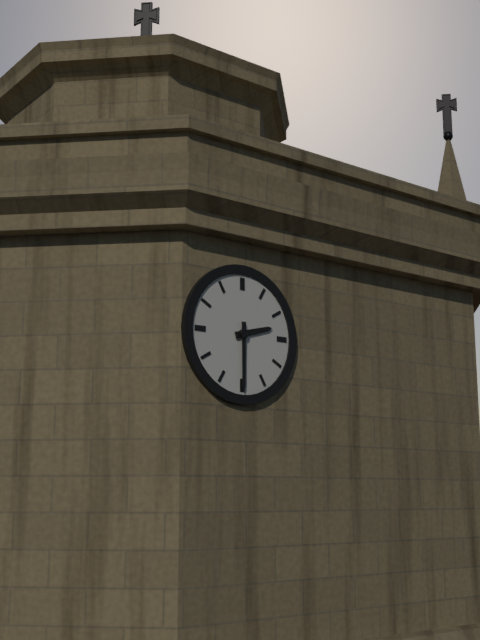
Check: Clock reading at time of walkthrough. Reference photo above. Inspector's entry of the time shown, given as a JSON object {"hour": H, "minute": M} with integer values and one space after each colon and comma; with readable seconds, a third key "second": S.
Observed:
{"hour": 2, "minute": 30}
